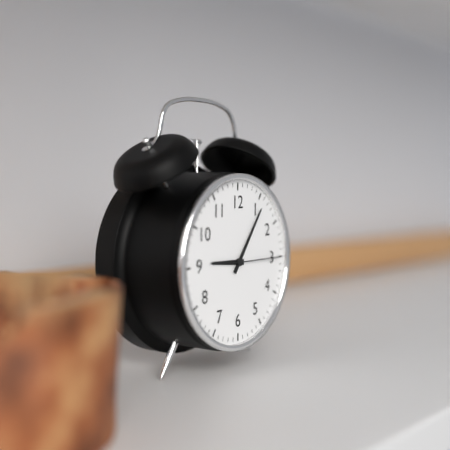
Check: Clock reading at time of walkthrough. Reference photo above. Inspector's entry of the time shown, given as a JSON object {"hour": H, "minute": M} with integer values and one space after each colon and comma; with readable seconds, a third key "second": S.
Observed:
{"hour": 9, "minute": 6, "second": 15}
